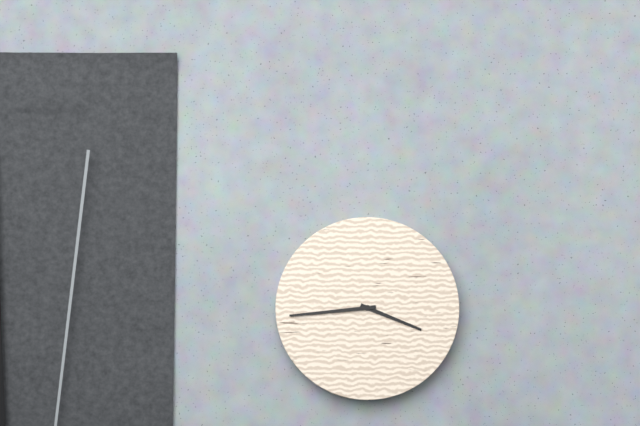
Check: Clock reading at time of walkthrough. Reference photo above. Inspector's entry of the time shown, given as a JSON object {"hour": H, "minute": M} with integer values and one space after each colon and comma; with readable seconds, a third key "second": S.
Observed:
{"hour": 3, "minute": 44}
